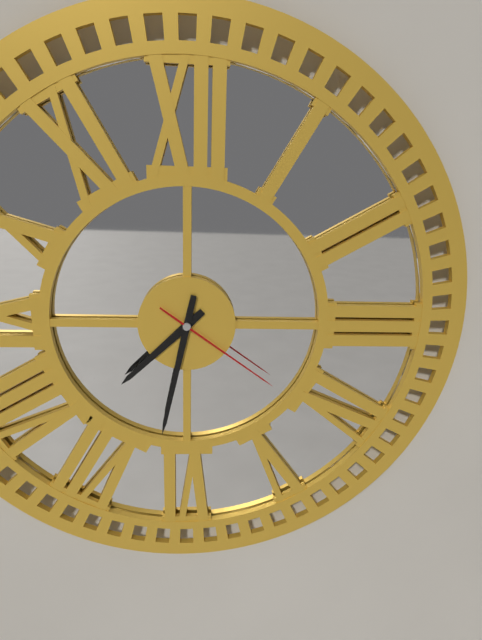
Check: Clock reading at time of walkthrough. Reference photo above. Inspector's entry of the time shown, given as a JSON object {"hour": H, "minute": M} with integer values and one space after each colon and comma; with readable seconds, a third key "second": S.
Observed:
{"hour": 7, "minute": 32, "second": 21}
